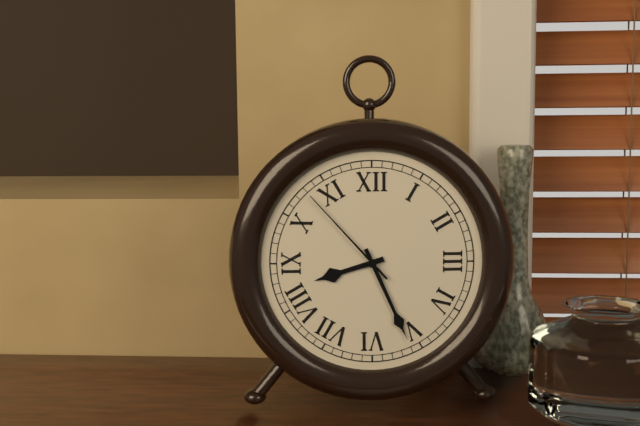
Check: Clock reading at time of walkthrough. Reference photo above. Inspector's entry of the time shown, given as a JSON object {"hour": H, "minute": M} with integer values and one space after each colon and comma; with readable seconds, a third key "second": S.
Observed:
{"hour": 8, "minute": 26, "second": 53}
